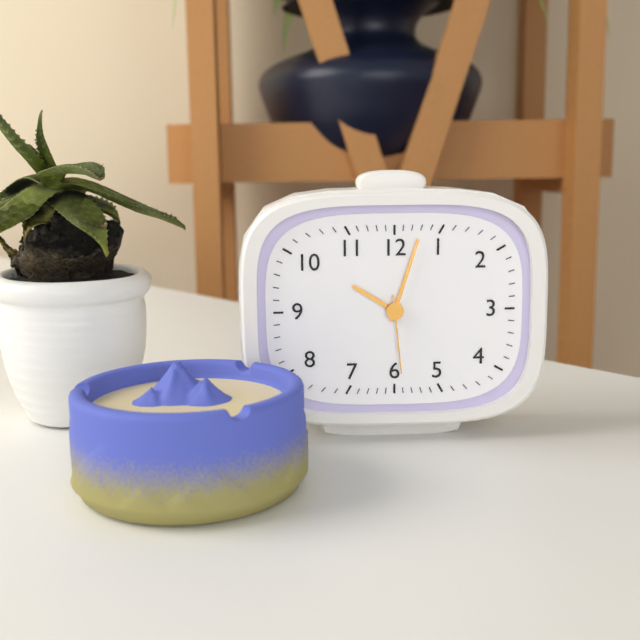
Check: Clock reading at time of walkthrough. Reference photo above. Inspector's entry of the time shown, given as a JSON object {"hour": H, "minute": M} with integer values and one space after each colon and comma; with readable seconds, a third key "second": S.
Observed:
{"hour": 10, "minute": 3, "second": 29}
